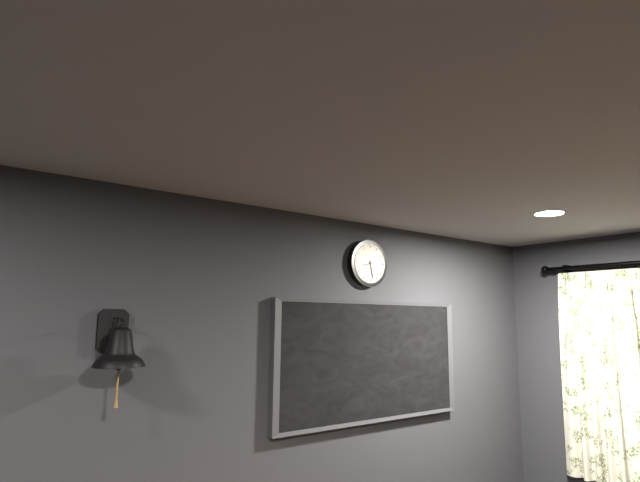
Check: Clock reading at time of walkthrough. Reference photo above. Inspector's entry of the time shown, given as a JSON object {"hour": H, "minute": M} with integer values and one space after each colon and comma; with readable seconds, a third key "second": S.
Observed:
{"hour": 8, "minute": 28}
